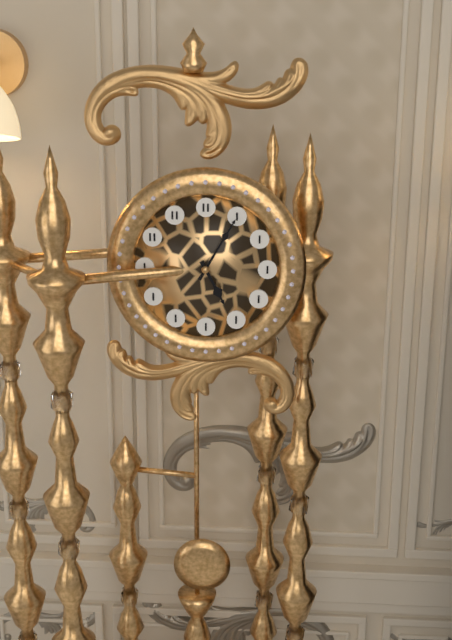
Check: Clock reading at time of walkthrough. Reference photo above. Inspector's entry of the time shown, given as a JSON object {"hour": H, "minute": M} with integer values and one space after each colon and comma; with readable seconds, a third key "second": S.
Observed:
{"hour": 5, "minute": 5}
